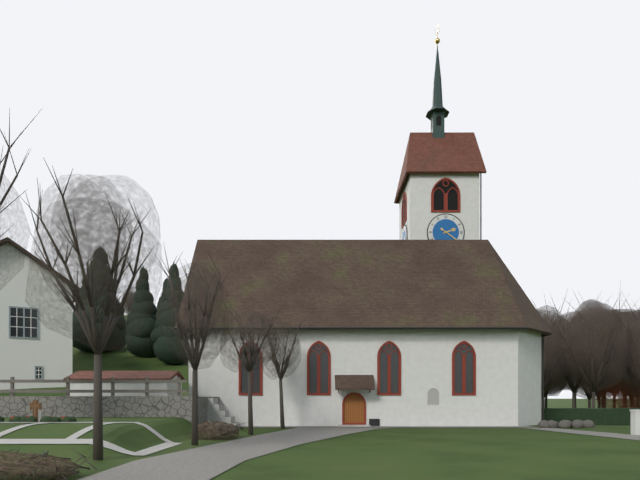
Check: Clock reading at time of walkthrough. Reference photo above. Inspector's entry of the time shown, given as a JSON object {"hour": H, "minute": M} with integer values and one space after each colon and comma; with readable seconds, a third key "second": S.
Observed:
{"hour": 2, "minute": 21}
